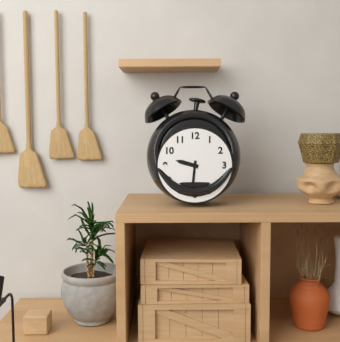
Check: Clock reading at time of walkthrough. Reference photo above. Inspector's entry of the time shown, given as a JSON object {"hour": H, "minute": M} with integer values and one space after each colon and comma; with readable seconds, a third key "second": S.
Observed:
{"hour": 9, "minute": 31}
